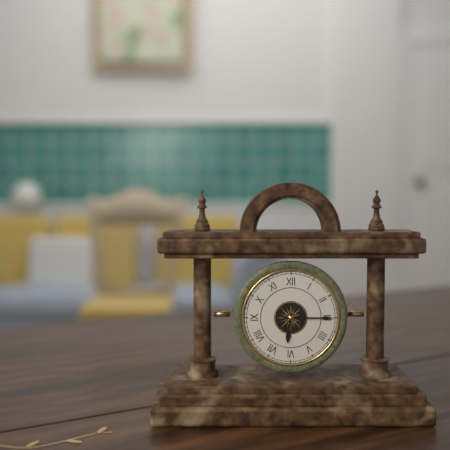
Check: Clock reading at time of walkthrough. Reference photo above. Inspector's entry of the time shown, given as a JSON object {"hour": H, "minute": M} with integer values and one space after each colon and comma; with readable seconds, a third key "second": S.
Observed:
{"hour": 6, "minute": 15}
